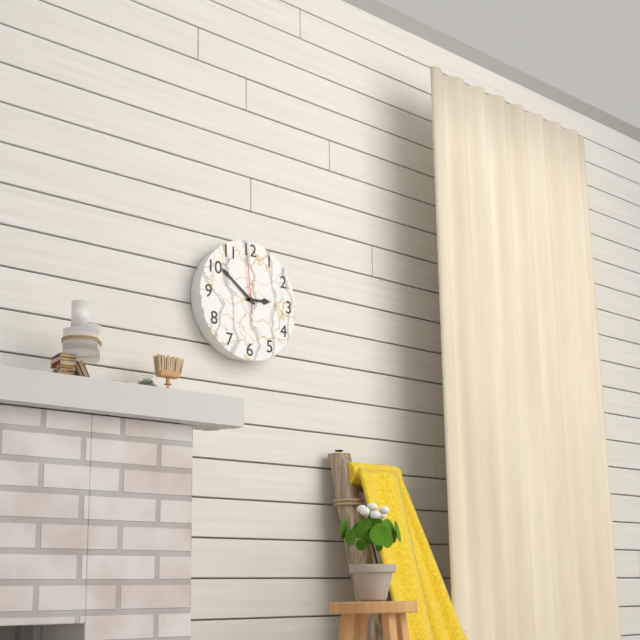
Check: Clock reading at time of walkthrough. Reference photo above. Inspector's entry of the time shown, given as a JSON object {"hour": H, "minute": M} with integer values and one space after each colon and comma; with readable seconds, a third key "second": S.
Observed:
{"hour": 2, "minute": 51, "second": 59}
